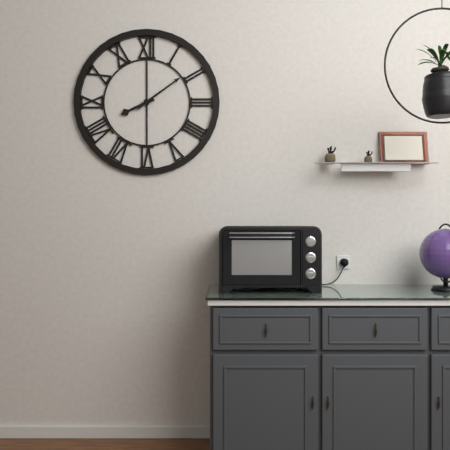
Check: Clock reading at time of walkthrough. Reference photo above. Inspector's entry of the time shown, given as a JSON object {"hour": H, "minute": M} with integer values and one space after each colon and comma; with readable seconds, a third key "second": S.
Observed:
{"hour": 8, "minute": 9}
